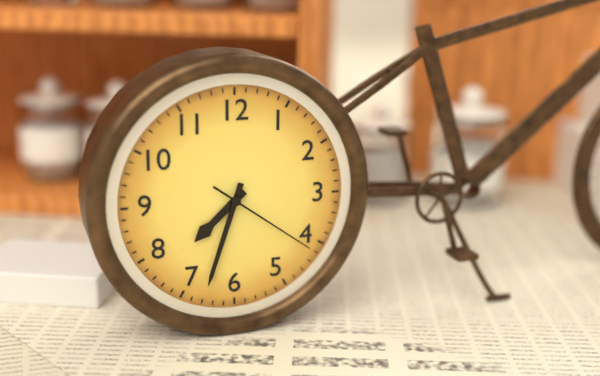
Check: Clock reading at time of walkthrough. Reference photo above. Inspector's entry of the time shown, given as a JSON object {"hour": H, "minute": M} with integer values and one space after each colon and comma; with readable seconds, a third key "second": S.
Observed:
{"hour": 7, "minute": 33, "second": 21}
